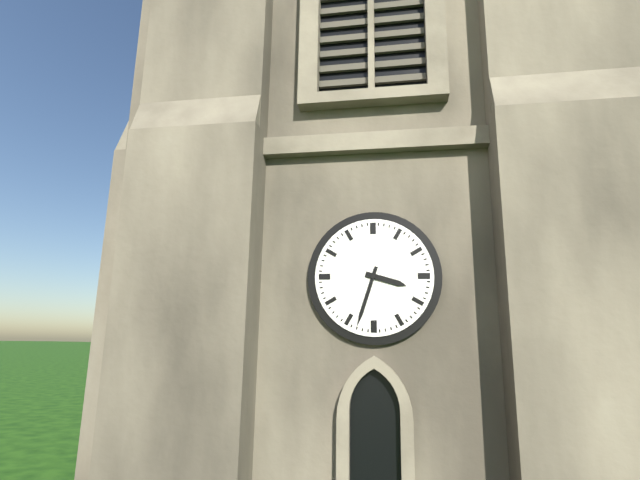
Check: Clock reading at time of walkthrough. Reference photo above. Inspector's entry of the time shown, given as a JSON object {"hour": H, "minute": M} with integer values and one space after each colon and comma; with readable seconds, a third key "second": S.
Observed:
{"hour": 3, "minute": 33}
